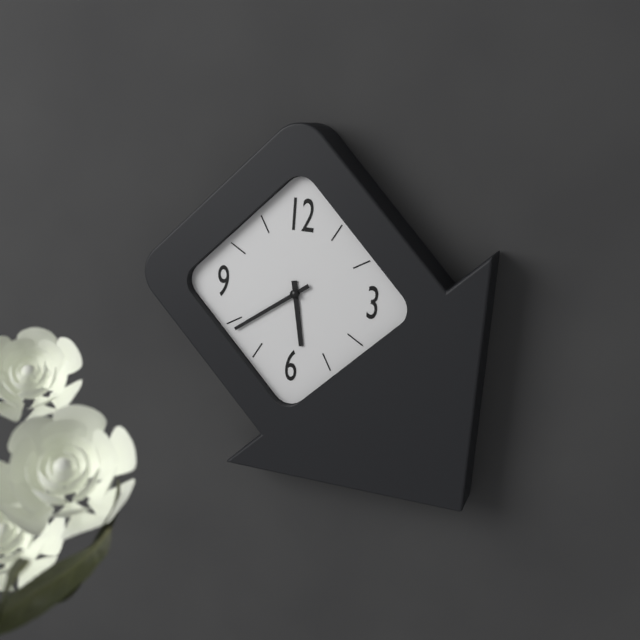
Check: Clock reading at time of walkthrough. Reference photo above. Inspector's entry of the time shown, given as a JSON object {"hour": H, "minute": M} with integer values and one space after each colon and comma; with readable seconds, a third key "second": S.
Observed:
{"hour": 5, "minute": 39}
